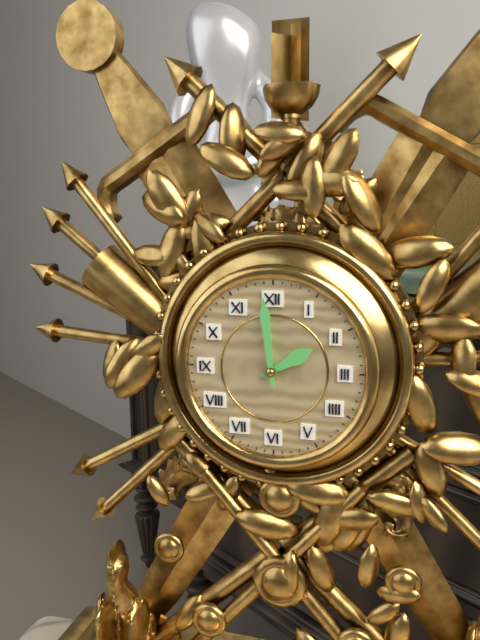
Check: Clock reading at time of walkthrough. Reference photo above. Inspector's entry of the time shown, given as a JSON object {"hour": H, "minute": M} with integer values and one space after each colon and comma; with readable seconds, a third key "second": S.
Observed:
{"hour": 1, "minute": 59}
